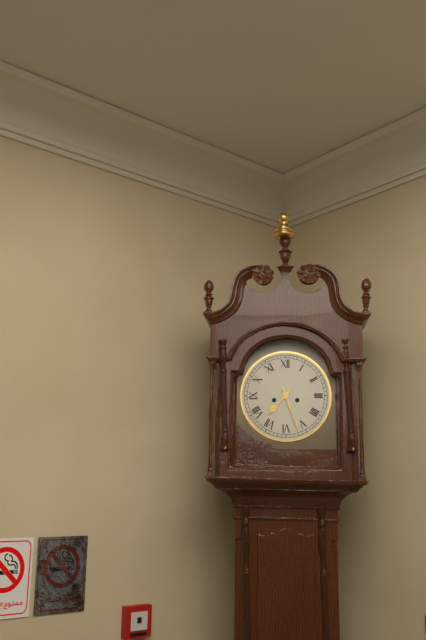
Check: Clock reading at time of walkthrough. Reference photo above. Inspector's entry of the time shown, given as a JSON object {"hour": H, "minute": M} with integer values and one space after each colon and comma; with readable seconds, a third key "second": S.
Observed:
{"hour": 7, "minute": 27}
